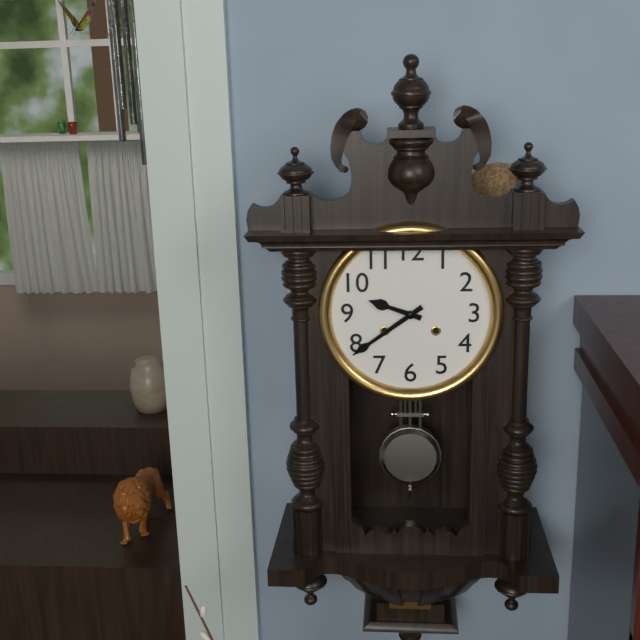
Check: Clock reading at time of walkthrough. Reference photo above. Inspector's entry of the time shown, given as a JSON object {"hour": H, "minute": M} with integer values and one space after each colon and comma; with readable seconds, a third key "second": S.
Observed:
{"hour": 9, "minute": 39}
